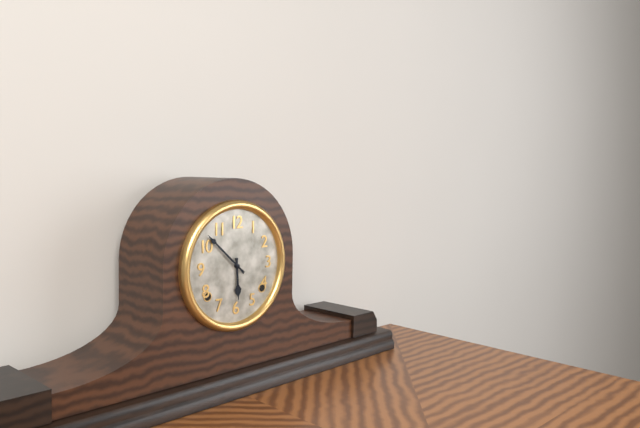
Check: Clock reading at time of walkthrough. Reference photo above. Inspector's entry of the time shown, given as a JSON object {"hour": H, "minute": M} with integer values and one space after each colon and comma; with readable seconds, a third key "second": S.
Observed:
{"hour": 5, "minute": 52}
